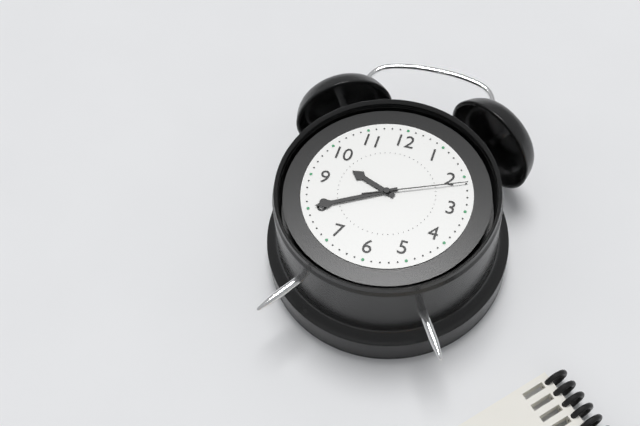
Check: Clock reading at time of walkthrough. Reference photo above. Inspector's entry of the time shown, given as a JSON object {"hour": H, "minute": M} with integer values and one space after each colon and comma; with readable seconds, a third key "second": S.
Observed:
{"hour": 9, "minute": 40, "second": 11}
